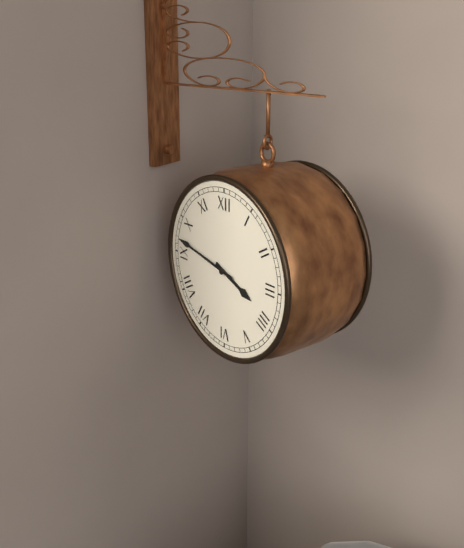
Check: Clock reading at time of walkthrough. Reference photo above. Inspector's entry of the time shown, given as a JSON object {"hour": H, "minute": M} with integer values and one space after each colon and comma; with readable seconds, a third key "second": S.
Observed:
{"hour": 3, "minute": 47}
